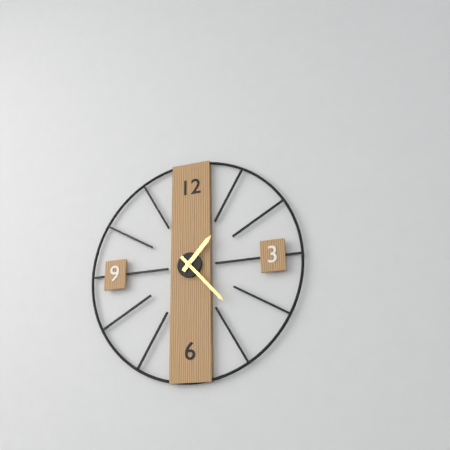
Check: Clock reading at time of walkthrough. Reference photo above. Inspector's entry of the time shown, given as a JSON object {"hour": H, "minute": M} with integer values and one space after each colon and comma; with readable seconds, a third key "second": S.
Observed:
{"hour": 1, "minute": 23}
